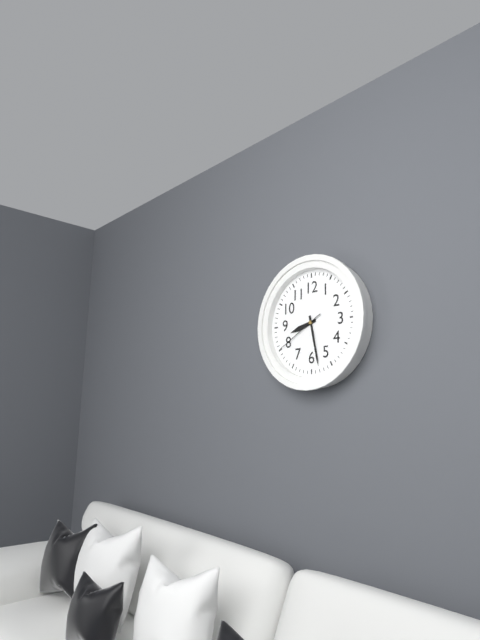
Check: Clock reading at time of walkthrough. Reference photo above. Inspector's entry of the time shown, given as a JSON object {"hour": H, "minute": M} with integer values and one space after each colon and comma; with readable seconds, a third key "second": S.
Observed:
{"hour": 8, "minute": 28, "second": 40}
